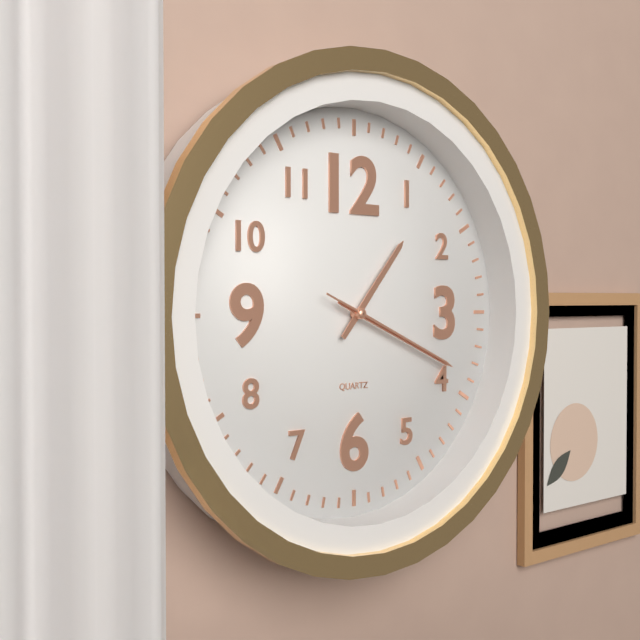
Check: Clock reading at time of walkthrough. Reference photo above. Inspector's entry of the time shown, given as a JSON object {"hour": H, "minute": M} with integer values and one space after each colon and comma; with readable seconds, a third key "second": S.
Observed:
{"hour": 1, "minute": 19, "second": 19}
